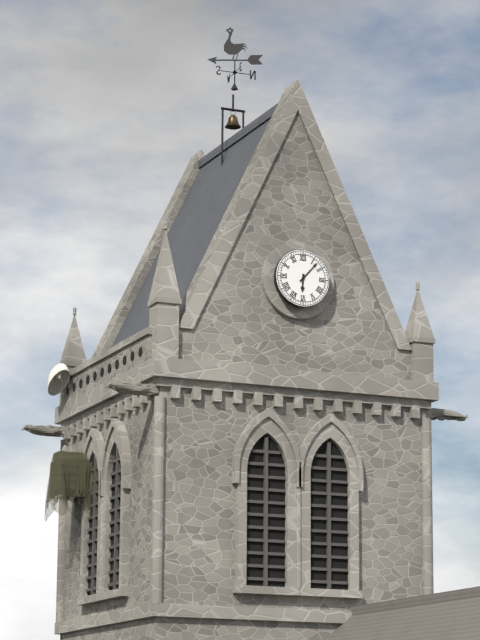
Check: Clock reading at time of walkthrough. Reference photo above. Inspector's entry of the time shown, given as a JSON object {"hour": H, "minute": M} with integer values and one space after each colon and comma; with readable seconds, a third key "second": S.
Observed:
{"hour": 6, "minute": 7}
